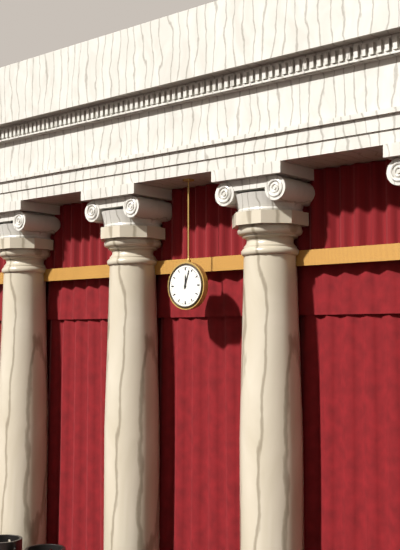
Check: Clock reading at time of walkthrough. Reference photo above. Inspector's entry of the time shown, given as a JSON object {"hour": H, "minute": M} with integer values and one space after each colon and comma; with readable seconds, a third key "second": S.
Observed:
{"hour": 12, "minute": 3}
